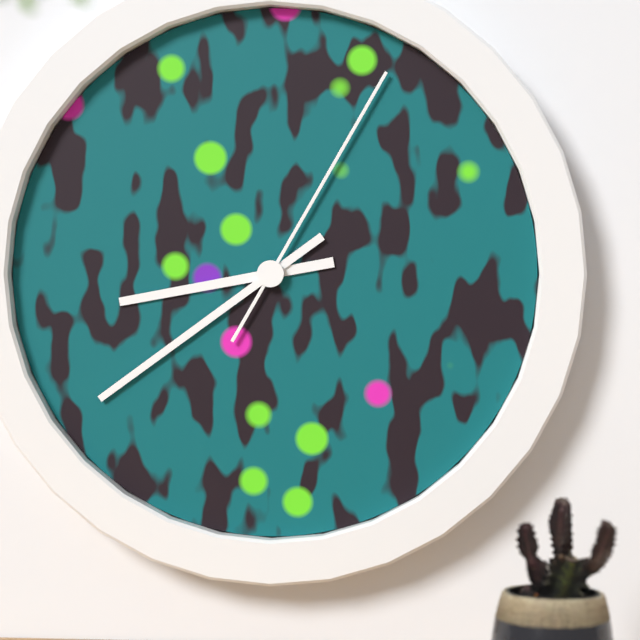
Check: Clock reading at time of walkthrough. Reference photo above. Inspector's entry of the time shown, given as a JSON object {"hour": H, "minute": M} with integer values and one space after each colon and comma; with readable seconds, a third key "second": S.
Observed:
{"hour": 8, "minute": 39, "second": 5}
